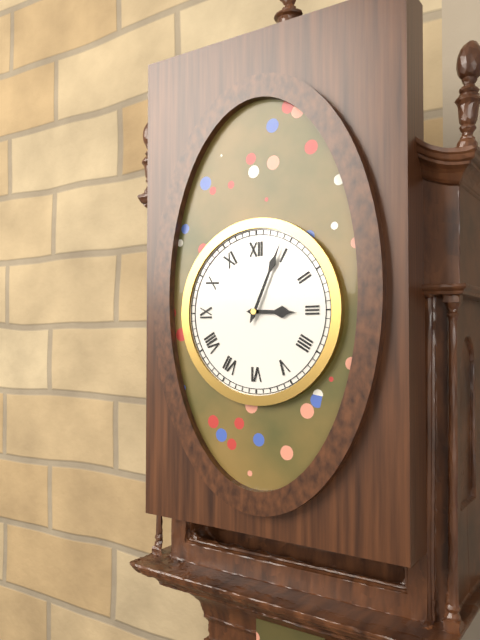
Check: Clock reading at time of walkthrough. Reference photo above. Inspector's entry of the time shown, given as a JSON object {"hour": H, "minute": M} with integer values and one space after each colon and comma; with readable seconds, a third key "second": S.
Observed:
{"hour": 3, "minute": 4}
